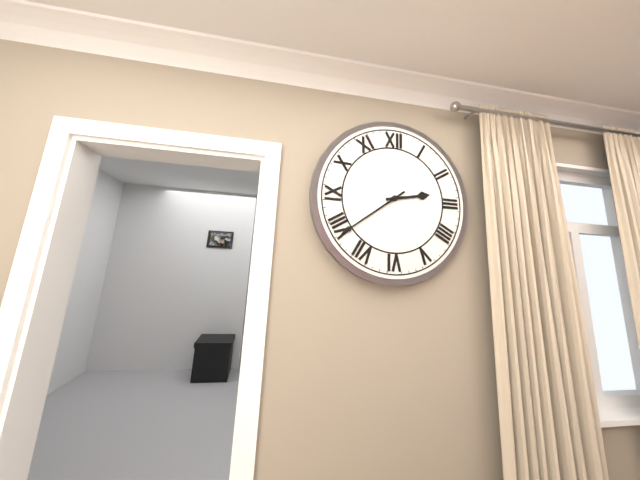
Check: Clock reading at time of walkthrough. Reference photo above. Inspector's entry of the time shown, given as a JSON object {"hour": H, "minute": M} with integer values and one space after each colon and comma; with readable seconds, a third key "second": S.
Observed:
{"hour": 2, "minute": 39}
